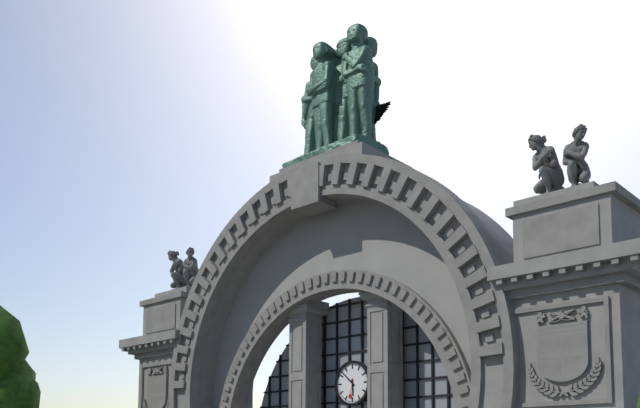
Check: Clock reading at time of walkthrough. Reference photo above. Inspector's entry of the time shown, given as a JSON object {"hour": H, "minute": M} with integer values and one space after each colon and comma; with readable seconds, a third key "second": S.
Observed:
{"hour": 5, "minute": 52}
